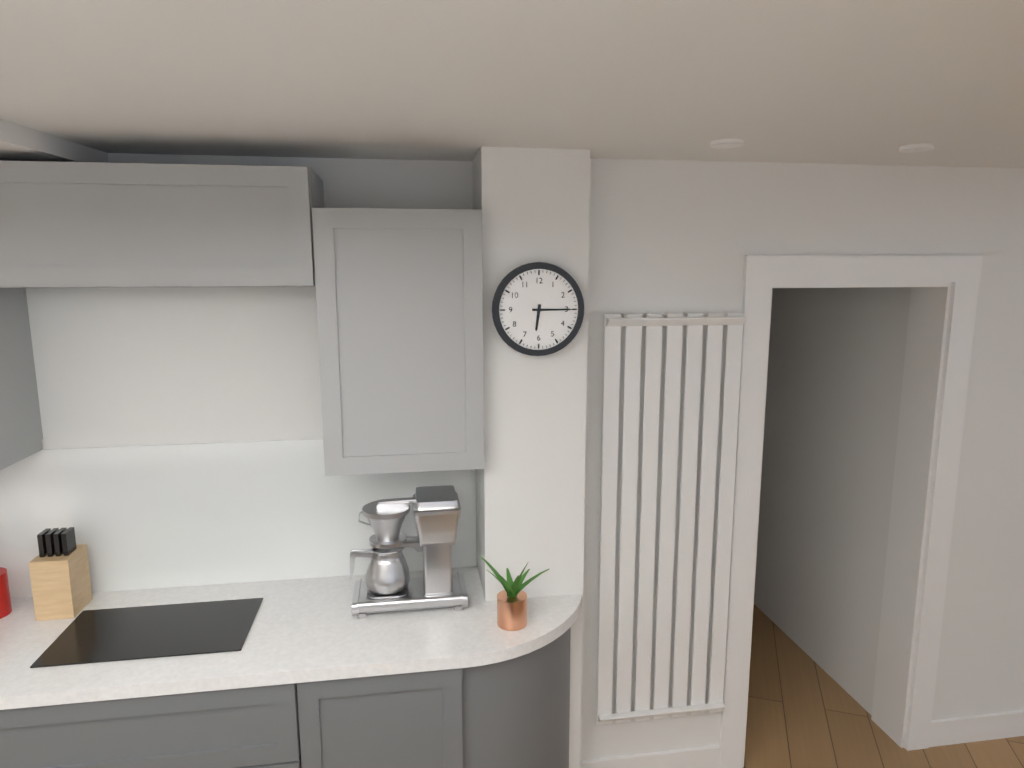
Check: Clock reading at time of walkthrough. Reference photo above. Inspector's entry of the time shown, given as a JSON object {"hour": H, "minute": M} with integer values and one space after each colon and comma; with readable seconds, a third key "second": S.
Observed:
{"hour": 6, "minute": 15}
